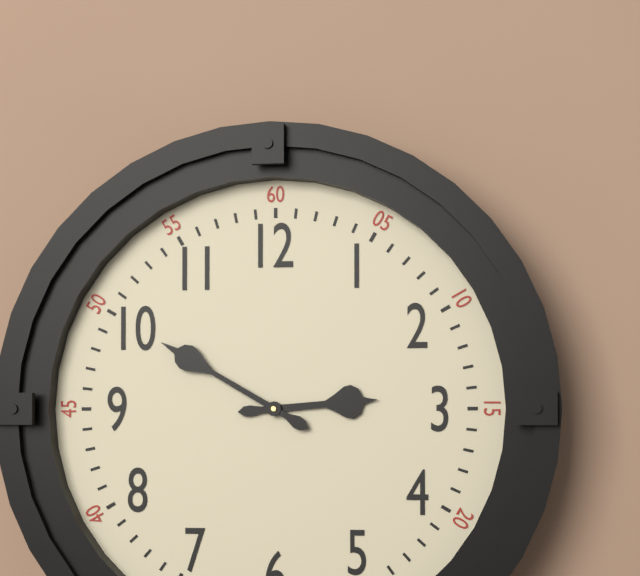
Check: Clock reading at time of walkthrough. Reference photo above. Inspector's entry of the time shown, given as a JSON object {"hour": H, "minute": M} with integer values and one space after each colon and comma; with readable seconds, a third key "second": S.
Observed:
{"hour": 2, "minute": 50}
